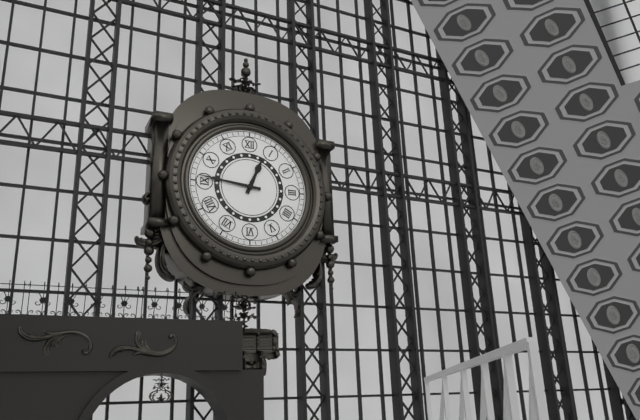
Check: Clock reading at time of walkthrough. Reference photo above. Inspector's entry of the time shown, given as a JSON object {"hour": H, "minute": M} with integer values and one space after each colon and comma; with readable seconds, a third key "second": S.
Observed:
{"hour": 12, "minute": 46}
